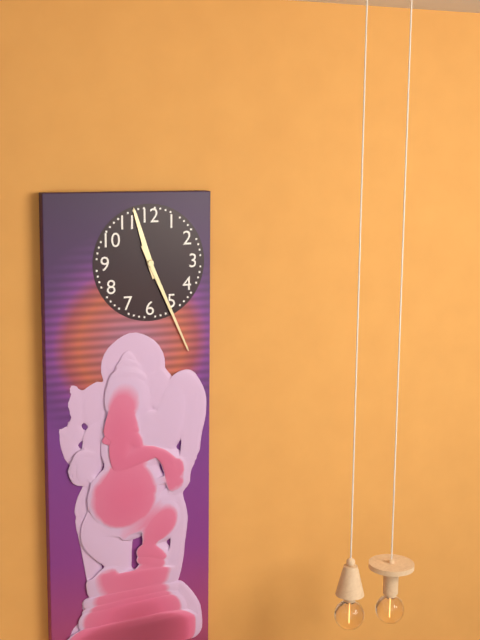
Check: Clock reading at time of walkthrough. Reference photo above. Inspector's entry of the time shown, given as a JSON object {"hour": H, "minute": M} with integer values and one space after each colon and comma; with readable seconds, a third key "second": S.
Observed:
{"hour": 11, "minute": 26}
